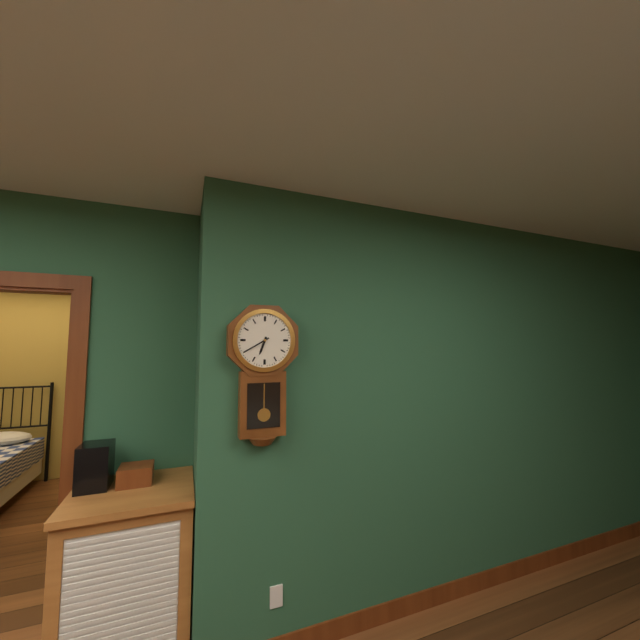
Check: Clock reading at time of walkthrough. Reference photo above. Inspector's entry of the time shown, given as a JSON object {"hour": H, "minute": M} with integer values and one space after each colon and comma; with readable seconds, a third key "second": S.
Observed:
{"hour": 6, "minute": 40}
